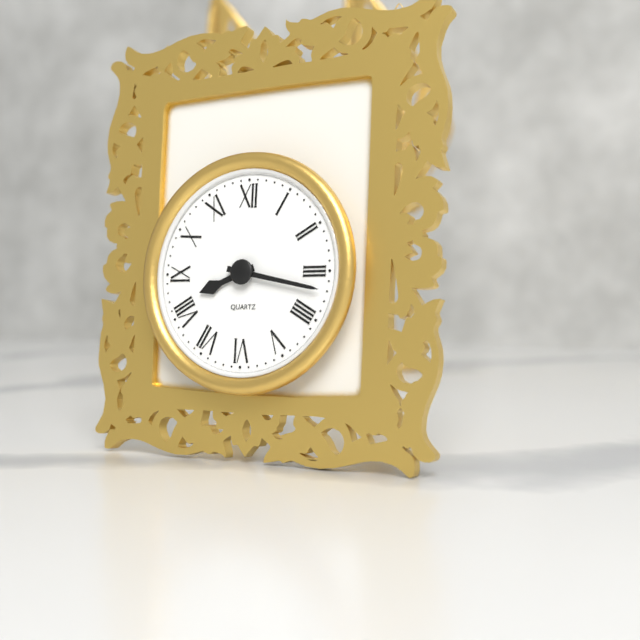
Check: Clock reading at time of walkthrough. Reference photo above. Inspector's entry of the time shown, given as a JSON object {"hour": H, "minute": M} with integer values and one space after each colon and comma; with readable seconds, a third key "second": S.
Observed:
{"hour": 8, "minute": 17}
